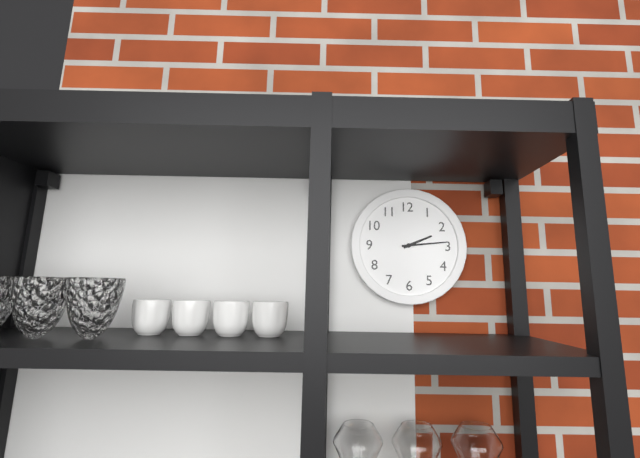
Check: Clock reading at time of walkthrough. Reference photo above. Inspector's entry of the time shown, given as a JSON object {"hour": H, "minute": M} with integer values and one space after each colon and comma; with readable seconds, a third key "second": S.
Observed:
{"hour": 2, "minute": 14}
